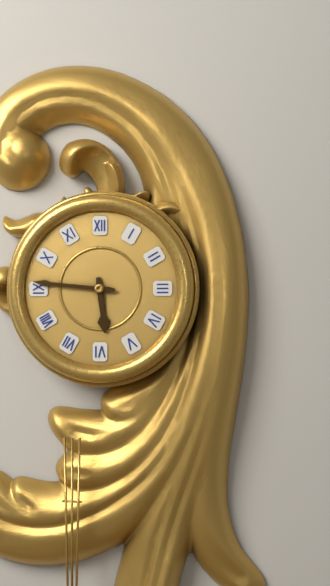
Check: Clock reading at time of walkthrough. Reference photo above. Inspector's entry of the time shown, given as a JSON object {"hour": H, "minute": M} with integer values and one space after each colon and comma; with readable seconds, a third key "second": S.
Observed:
{"hour": 5, "minute": 46}
